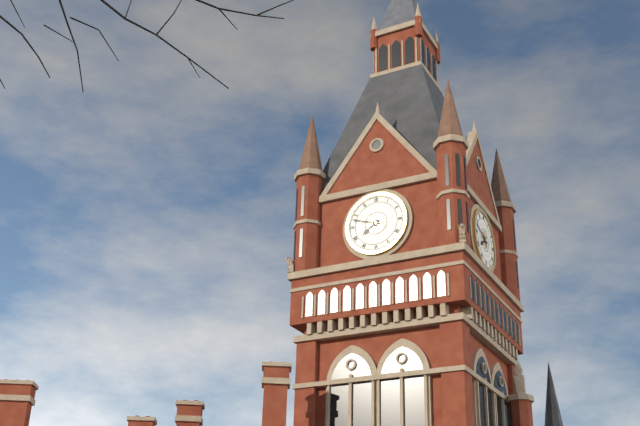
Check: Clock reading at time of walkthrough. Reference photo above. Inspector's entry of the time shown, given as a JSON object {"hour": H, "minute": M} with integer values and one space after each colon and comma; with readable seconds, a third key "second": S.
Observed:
{"hour": 7, "minute": 48}
